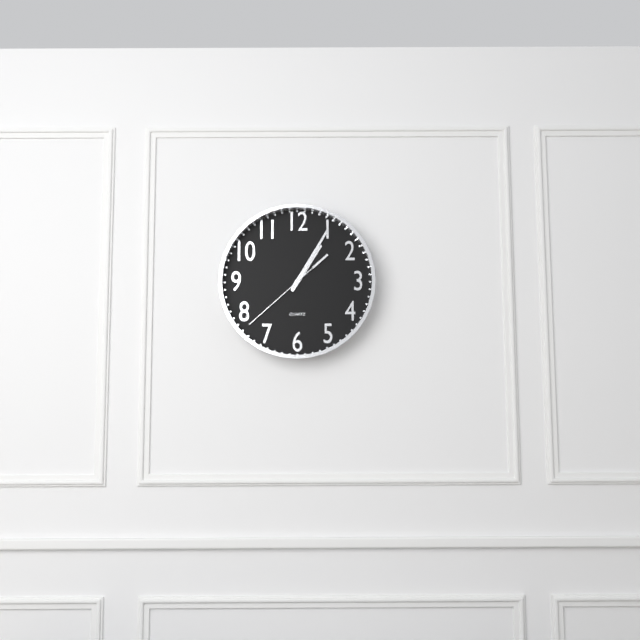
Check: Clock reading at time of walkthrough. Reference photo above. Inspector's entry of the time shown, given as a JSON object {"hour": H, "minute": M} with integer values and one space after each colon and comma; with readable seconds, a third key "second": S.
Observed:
{"hour": 1, "minute": 5, "second": 38}
